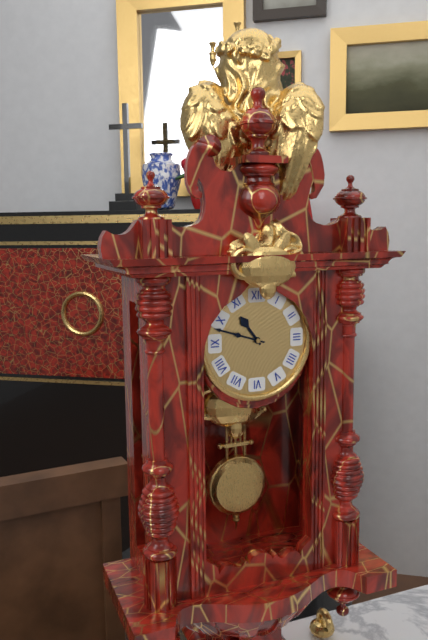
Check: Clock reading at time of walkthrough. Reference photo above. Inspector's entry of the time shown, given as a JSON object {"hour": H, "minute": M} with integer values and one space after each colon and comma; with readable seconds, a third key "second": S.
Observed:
{"hour": 10, "minute": 48}
